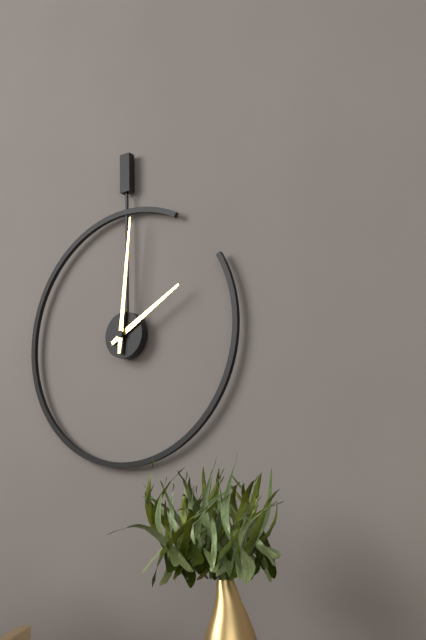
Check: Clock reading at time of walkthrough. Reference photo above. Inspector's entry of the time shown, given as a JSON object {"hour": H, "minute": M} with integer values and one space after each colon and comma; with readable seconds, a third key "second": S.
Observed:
{"hour": 2, "minute": 1}
